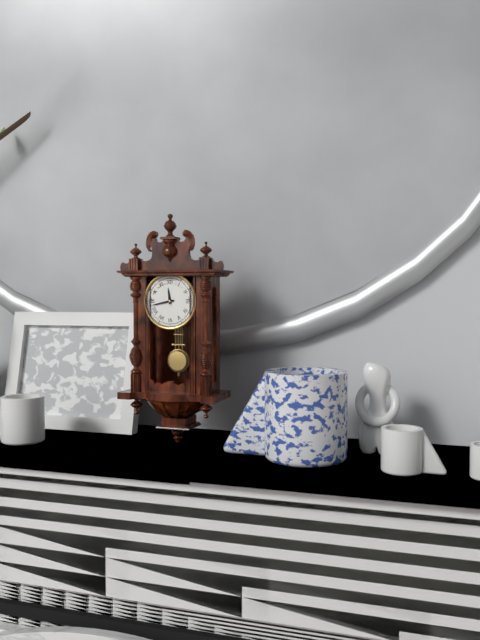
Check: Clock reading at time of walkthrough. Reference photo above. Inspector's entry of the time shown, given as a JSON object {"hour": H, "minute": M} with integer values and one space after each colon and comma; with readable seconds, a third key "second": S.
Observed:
{"hour": 11, "minute": 43}
